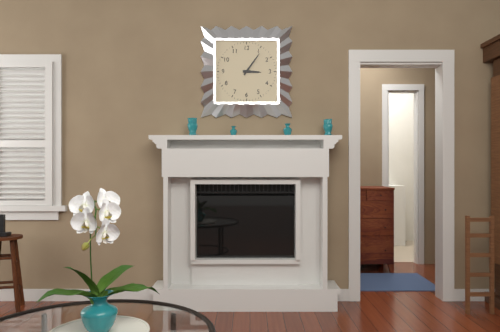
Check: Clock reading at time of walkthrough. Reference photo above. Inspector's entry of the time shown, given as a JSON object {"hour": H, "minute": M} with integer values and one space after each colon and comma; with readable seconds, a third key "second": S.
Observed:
{"hour": 3, "minute": 6}
